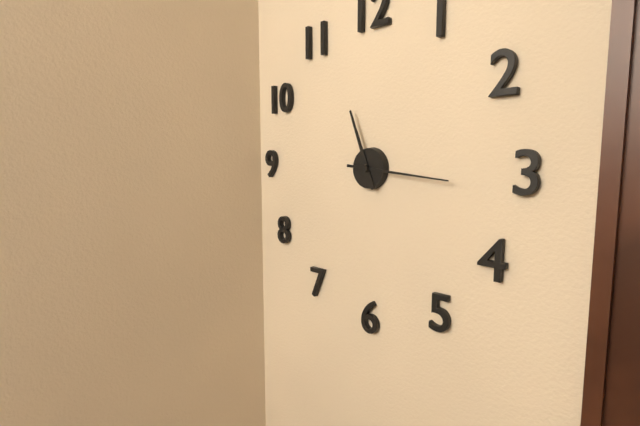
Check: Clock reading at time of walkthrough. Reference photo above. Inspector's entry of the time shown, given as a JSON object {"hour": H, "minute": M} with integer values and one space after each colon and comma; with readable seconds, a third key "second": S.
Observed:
{"hour": 11, "minute": 16}
